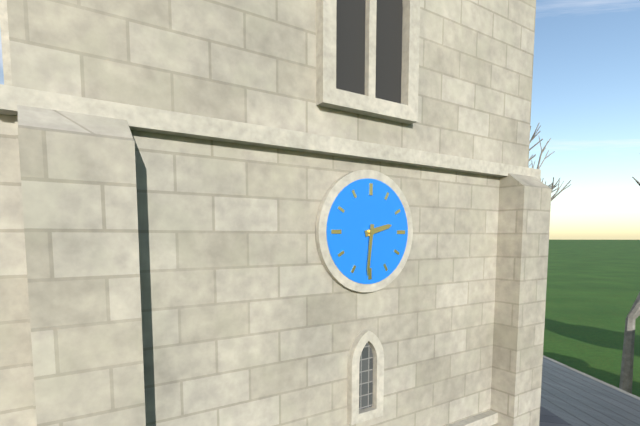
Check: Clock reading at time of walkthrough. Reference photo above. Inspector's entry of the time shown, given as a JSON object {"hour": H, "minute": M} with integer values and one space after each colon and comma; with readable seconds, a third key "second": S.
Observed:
{"hour": 2, "minute": 31}
